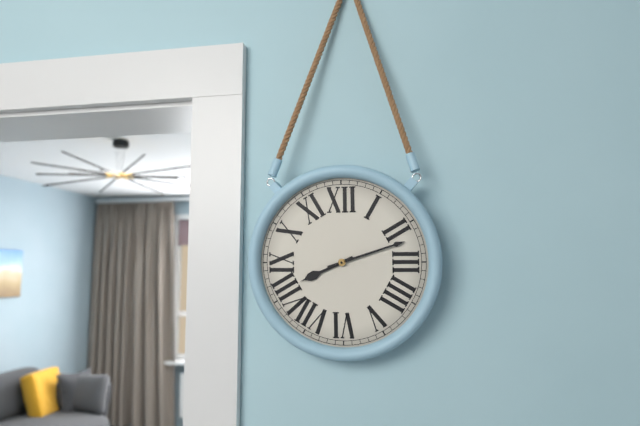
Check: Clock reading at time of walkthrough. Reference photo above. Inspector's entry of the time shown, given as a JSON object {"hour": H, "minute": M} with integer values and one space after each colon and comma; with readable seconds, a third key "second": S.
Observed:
{"hour": 8, "minute": 12}
